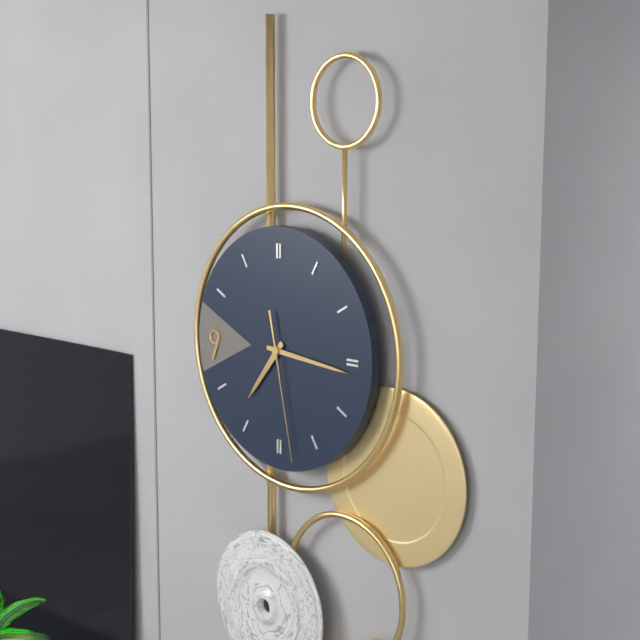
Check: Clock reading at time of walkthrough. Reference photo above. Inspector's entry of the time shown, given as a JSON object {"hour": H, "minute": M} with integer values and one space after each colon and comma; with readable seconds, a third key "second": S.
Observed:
{"hour": 7, "minute": 16, "second": 28}
